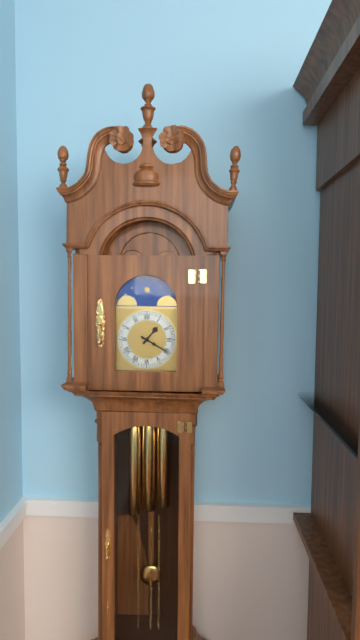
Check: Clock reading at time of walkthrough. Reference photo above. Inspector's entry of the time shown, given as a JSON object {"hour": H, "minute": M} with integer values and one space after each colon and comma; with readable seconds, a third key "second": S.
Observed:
{"hour": 1, "minute": 20}
